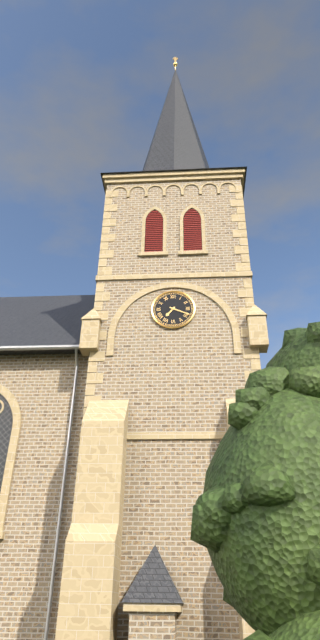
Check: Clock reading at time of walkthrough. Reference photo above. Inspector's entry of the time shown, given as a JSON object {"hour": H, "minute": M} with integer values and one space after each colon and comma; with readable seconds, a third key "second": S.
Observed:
{"hour": 7, "minute": 19}
